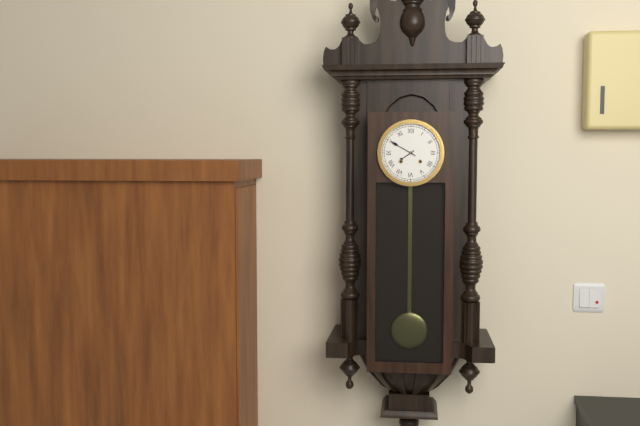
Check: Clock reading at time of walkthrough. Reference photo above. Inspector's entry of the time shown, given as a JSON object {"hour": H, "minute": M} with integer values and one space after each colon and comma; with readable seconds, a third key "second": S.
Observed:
{"hour": 7, "minute": 50}
